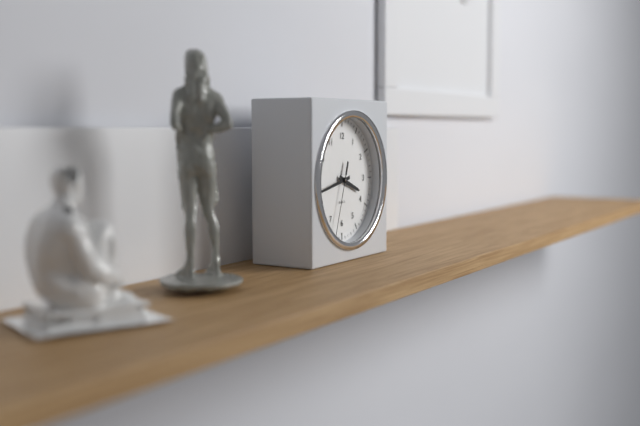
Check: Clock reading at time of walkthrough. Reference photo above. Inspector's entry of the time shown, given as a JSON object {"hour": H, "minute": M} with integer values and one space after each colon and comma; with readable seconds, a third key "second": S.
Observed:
{"hour": 3, "minute": 43, "second": 33}
